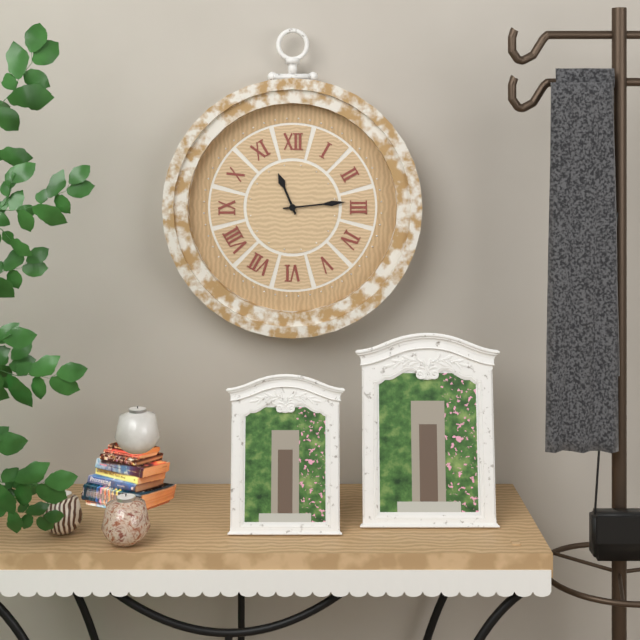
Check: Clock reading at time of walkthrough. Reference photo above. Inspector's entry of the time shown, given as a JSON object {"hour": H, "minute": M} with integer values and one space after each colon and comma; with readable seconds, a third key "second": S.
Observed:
{"hour": 11, "minute": 14}
